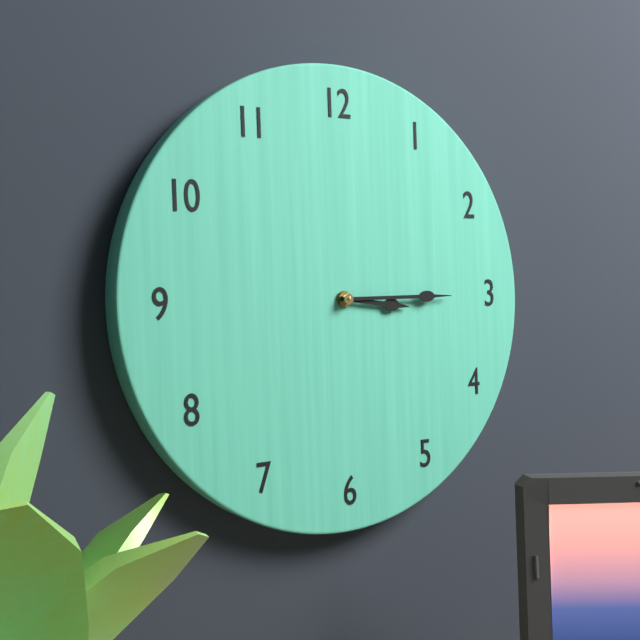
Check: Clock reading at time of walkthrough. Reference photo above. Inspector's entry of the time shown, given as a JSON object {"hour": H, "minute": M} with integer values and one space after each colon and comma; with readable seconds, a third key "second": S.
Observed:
{"hour": 3, "minute": 15}
